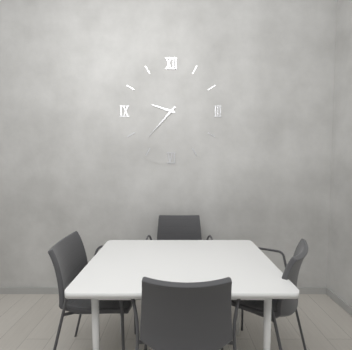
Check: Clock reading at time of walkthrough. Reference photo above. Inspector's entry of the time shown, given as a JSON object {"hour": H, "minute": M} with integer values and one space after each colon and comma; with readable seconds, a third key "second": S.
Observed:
{"hour": 9, "minute": 37}
